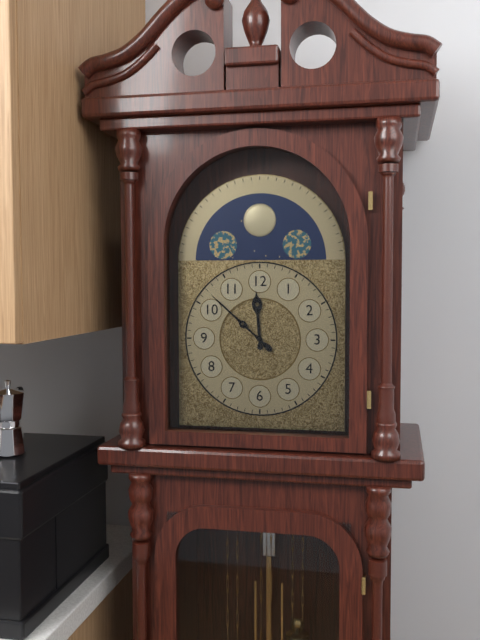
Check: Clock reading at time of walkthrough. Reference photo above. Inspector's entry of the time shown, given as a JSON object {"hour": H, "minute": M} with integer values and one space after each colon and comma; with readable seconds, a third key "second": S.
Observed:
{"hour": 11, "minute": 52}
